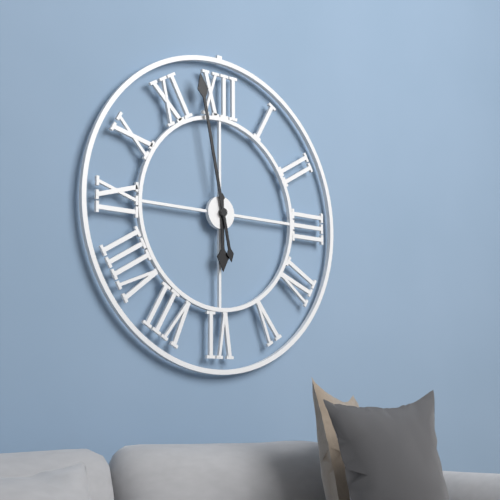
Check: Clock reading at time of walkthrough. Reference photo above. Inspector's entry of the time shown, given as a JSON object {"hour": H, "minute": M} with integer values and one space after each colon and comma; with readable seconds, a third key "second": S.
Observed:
{"hour": 5, "minute": 58}
